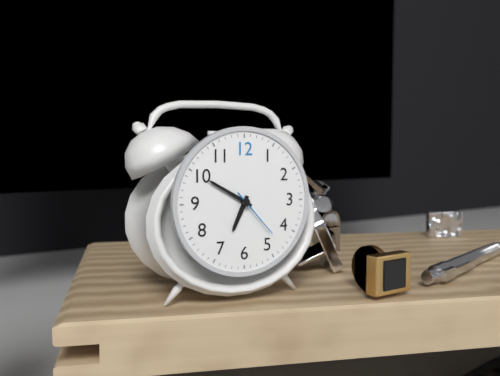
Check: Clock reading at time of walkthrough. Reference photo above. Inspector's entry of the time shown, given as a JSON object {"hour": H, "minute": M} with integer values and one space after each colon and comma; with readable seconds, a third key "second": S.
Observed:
{"hour": 6, "minute": 50, "second": 23}
